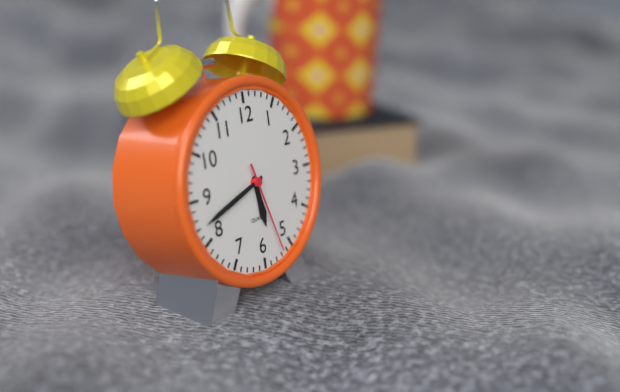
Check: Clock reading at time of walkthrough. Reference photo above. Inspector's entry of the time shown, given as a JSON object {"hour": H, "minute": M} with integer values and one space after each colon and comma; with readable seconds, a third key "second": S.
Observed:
{"hour": 5, "minute": 42, "second": 27}
